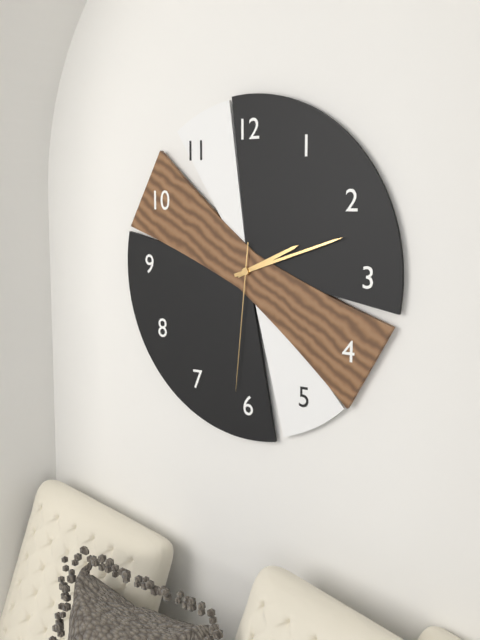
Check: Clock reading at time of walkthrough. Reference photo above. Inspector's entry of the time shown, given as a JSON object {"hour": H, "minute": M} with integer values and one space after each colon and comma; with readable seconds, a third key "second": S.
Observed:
{"hour": 2, "minute": 12, "second": 31}
